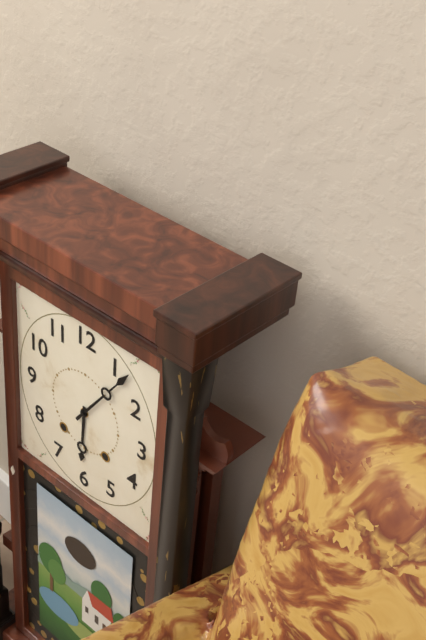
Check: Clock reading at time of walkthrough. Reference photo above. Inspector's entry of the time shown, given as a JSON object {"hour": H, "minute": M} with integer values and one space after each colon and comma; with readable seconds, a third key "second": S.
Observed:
{"hour": 6, "minute": 6}
